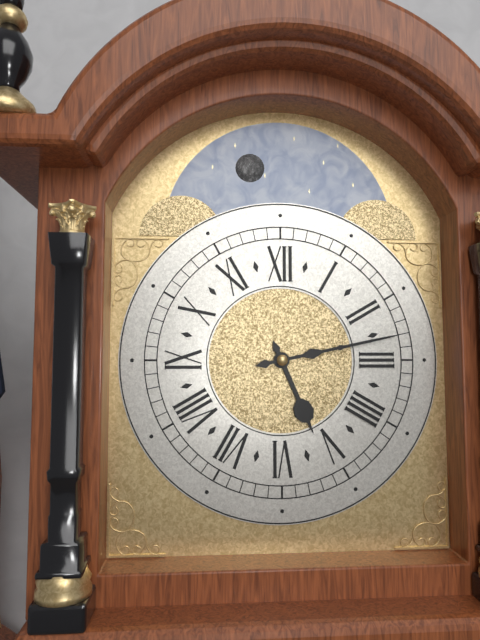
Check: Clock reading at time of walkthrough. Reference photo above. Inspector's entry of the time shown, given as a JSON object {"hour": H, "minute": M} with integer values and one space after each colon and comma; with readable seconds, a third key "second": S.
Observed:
{"hour": 5, "minute": 13}
